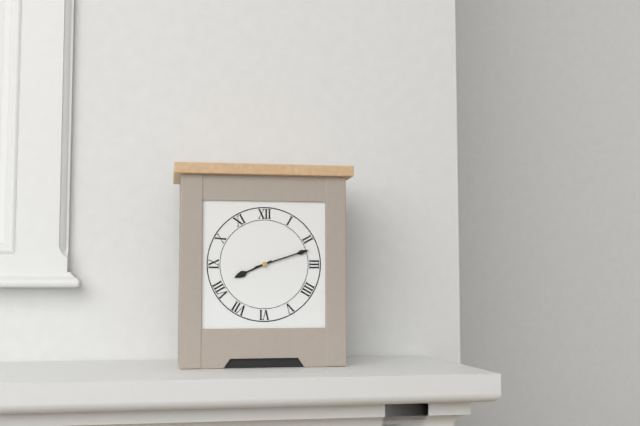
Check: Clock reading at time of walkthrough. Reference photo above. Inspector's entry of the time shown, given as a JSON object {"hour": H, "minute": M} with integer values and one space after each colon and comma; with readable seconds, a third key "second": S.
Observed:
{"hour": 8, "minute": 12}
